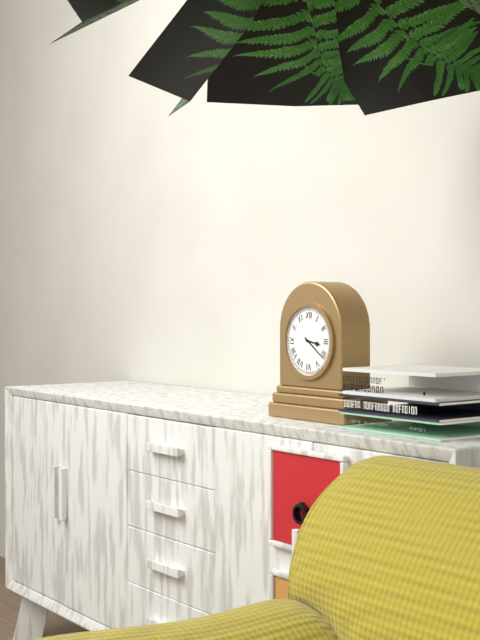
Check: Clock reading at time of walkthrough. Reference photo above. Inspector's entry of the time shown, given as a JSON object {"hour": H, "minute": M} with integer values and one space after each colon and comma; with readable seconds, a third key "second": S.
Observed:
{"hour": 3, "minute": 21}
